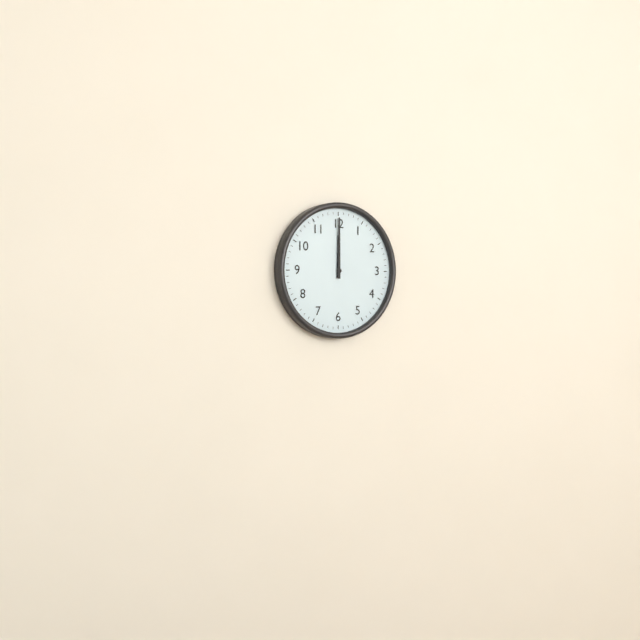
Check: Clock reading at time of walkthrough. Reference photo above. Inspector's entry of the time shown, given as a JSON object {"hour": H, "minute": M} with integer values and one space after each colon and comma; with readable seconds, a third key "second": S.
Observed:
{"hour": 12, "minute": 0}
